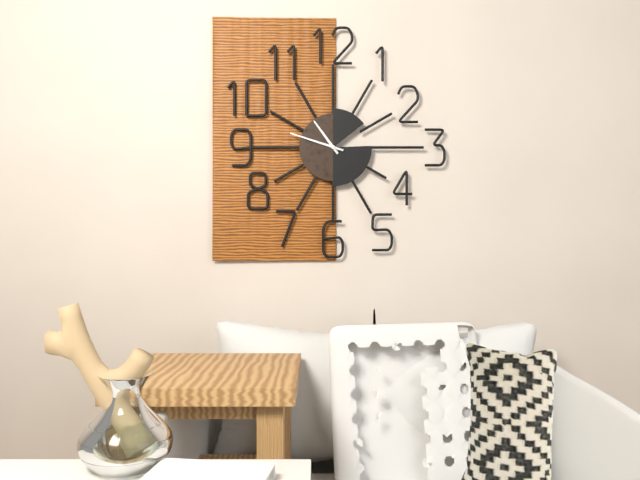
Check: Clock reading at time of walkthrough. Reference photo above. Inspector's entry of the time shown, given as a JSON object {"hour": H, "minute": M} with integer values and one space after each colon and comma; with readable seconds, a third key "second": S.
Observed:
{"hour": 10, "minute": 48}
